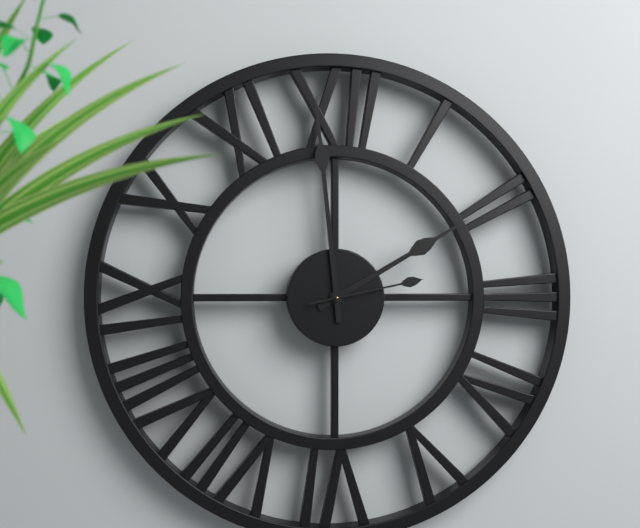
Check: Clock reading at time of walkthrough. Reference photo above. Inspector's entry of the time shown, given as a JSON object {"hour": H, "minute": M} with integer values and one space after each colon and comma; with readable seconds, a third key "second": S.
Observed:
{"hour": 1, "minute": 59, "second": 13}
